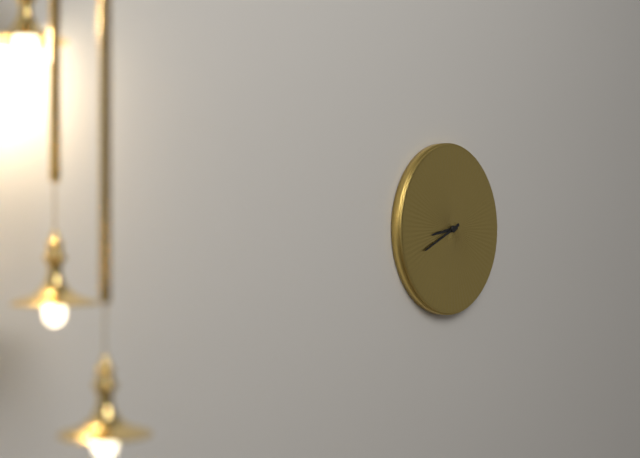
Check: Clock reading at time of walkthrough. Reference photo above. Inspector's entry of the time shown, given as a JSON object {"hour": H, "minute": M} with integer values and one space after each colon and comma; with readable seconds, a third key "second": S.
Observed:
{"hour": 8, "minute": 41}
